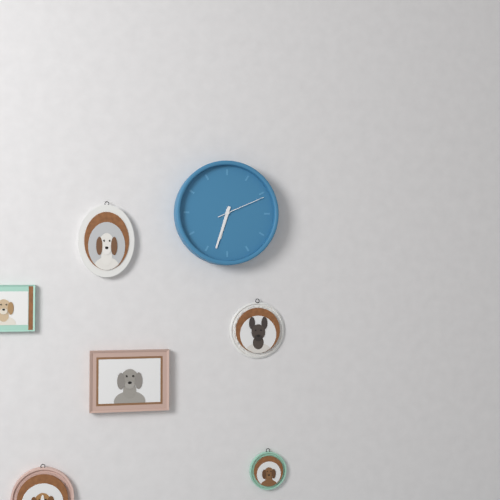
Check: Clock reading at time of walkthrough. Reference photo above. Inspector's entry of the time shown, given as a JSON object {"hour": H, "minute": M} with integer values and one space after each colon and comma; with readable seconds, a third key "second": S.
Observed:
{"hour": 6, "minute": 33}
